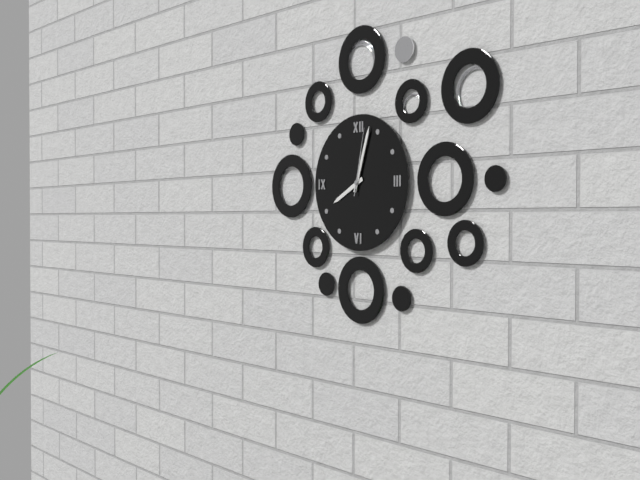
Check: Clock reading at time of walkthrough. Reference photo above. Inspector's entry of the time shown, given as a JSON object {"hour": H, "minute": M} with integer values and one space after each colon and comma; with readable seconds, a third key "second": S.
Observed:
{"hour": 8, "minute": 3, "second": 2}
